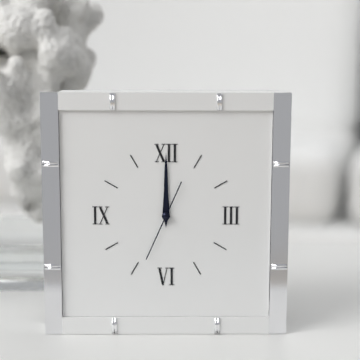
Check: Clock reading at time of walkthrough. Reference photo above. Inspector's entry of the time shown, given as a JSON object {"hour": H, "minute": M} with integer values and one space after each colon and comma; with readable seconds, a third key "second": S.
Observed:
{"hour": 12, "minute": 0, "second": 34}
